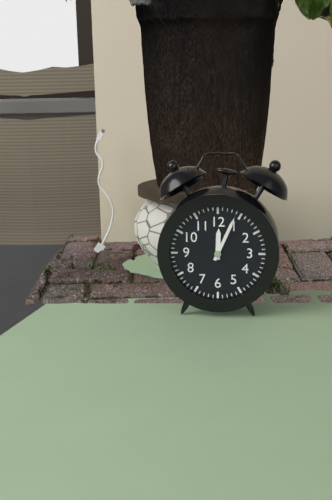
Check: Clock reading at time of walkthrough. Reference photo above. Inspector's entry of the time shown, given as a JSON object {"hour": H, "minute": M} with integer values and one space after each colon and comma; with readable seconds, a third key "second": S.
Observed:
{"hour": 12, "minute": 4}
